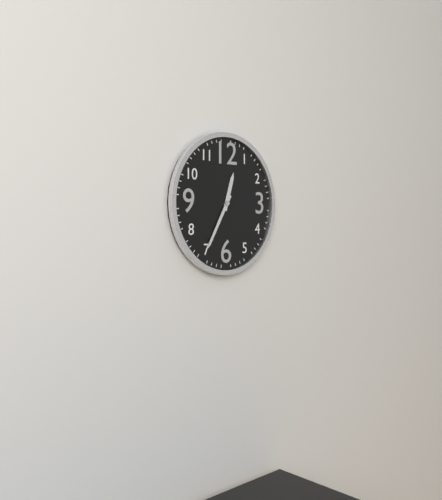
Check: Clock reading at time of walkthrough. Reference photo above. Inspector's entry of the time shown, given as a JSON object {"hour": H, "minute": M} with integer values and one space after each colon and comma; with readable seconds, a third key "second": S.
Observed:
{"hour": 12, "minute": 35}
